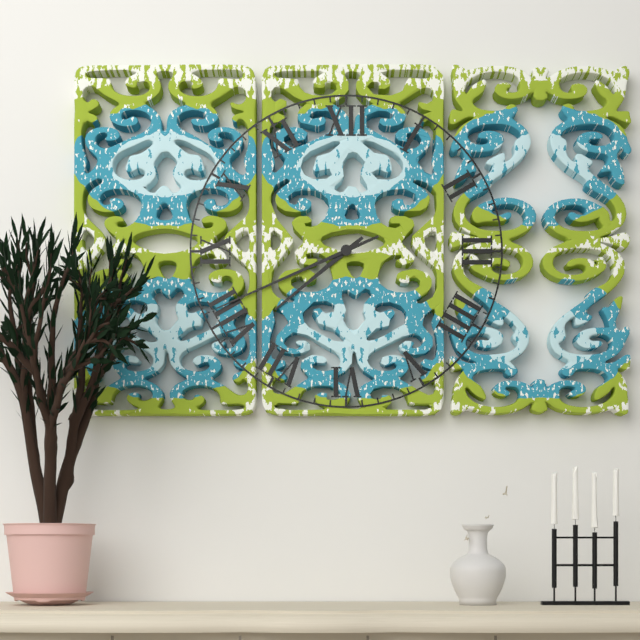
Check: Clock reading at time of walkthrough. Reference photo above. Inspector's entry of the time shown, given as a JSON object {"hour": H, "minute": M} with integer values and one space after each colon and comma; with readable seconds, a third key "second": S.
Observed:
{"hour": 7, "minute": 41}
